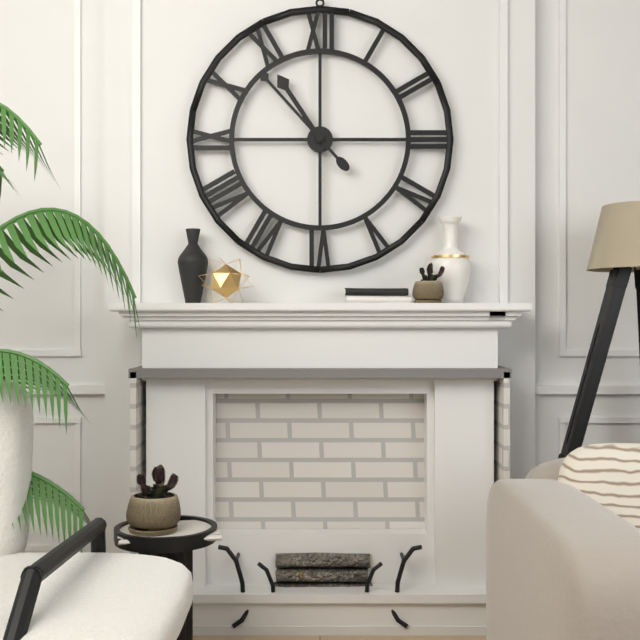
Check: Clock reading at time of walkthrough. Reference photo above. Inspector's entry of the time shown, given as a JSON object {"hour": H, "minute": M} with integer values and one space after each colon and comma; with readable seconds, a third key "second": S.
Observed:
{"hour": 10, "minute": 53}
